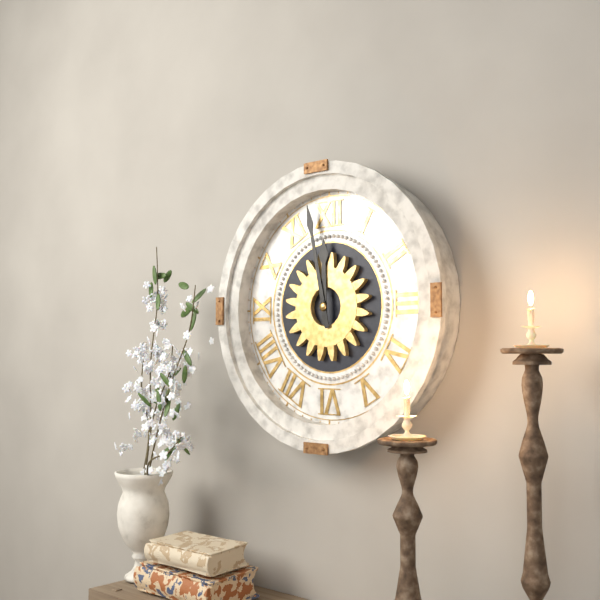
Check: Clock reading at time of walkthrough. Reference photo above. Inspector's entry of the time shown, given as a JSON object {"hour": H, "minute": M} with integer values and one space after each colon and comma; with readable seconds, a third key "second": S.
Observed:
{"hour": 11, "minute": 58}
